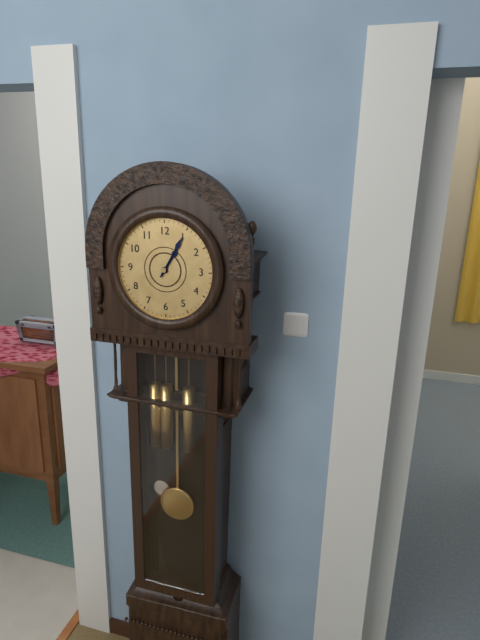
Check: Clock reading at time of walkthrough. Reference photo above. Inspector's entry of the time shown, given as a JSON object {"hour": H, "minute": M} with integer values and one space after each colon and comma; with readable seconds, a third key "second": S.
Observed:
{"hour": 1, "minute": 5}
